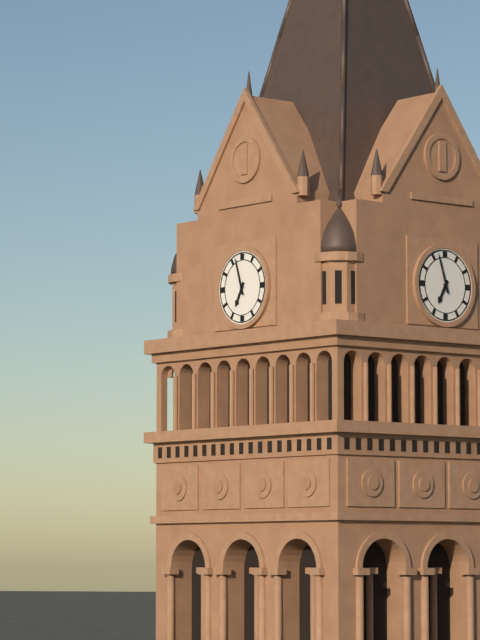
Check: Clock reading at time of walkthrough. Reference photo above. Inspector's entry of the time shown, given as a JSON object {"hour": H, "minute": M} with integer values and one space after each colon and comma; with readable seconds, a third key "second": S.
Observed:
{"hour": 6, "minute": 57}
